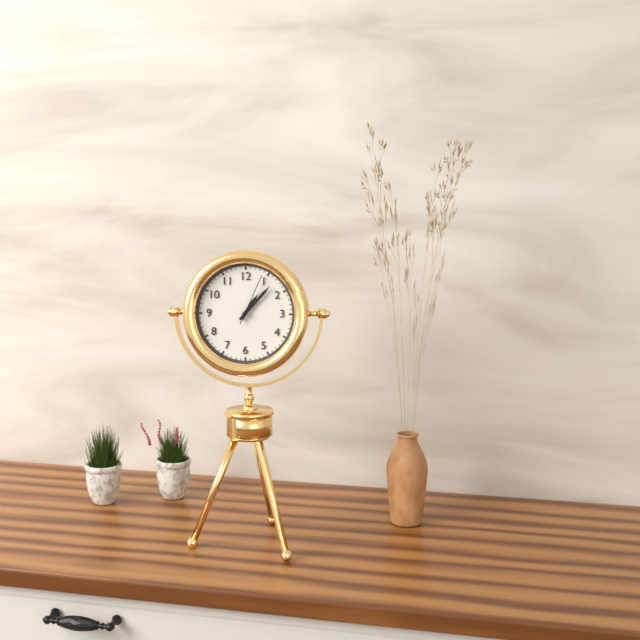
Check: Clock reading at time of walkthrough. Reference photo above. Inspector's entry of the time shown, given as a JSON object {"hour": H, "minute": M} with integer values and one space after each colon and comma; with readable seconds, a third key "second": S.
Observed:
{"hour": 1, "minute": 7, "second": 4}
